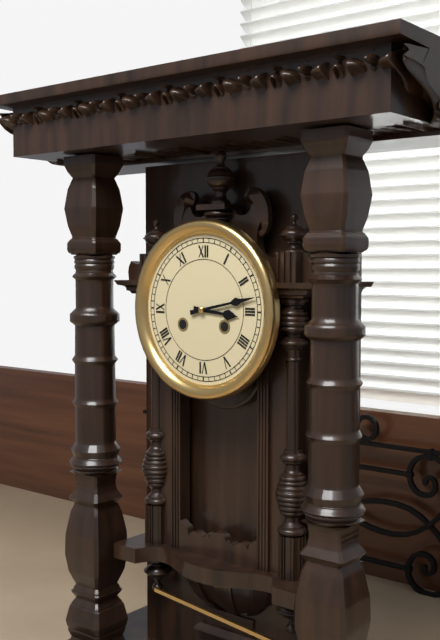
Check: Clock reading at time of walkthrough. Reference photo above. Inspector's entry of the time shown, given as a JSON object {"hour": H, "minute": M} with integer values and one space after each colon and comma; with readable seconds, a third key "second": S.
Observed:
{"hour": 3, "minute": 13}
